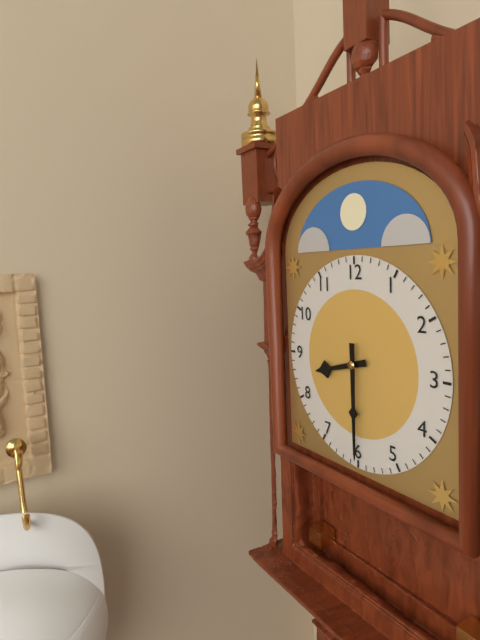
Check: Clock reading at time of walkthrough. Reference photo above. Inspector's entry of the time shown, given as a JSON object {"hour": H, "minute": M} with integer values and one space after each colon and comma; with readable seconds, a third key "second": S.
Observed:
{"hour": 8, "minute": 30}
